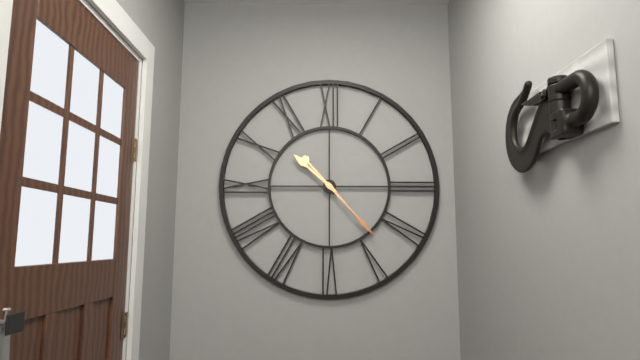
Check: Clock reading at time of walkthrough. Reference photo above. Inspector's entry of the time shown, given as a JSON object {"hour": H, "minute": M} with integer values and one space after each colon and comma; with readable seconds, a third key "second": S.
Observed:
{"hour": 10, "minute": 23}
